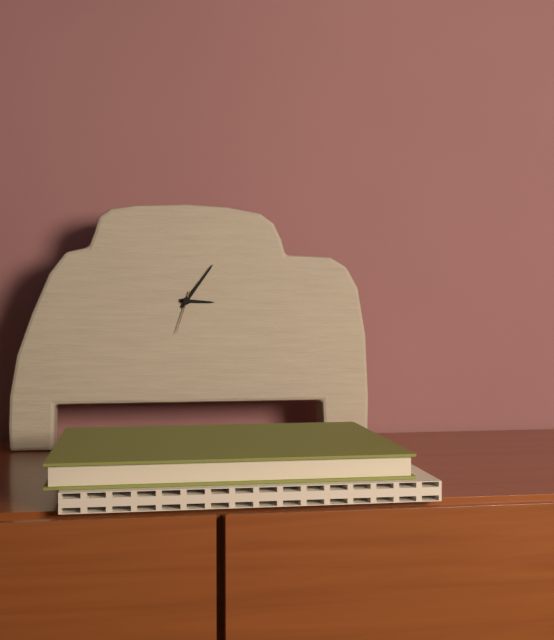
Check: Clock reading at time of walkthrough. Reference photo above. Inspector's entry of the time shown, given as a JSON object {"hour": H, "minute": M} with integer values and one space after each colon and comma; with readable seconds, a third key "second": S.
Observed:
{"hour": 3, "minute": 6}
